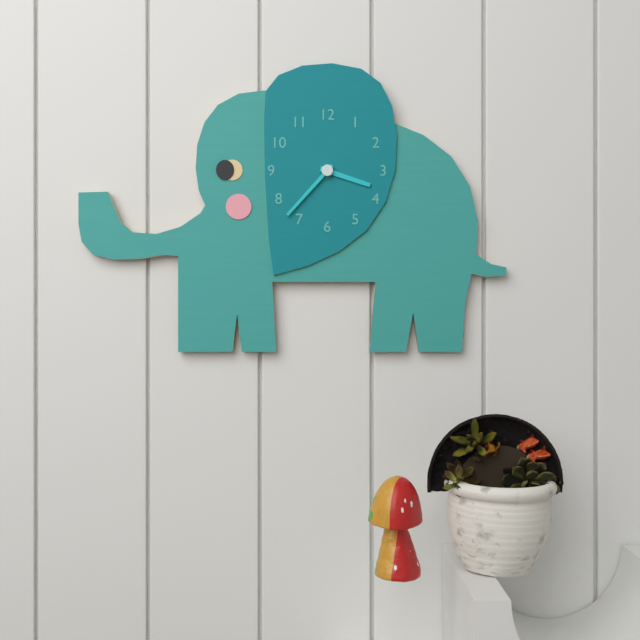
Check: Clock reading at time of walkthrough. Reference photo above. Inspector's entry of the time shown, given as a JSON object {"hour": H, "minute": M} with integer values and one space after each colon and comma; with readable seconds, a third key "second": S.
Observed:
{"hour": 3, "minute": 37}
